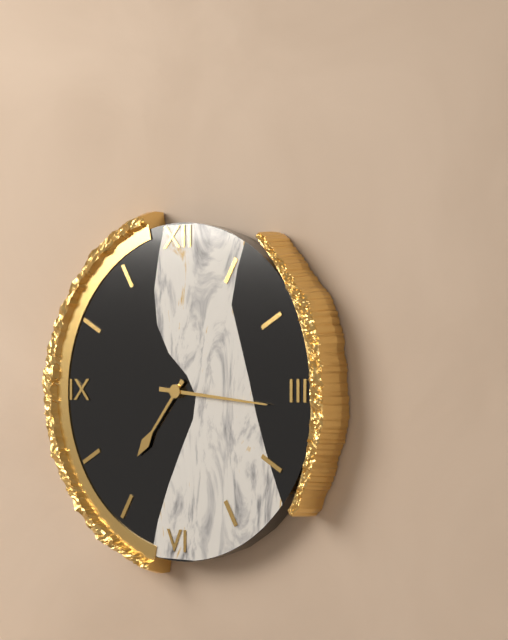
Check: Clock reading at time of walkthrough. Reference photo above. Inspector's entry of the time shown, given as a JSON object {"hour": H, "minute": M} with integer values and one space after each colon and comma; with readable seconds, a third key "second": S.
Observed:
{"hour": 7, "minute": 16}
